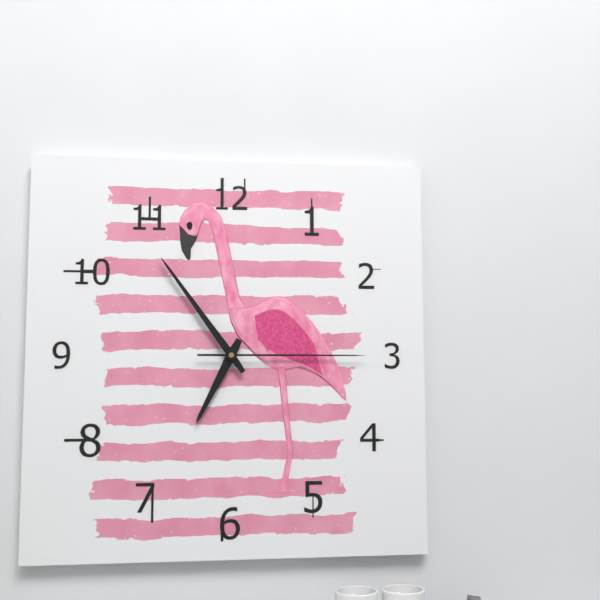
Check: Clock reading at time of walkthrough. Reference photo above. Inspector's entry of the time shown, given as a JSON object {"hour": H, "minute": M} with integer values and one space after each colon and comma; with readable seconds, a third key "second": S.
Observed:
{"hour": 6, "minute": 54, "second": 15}
